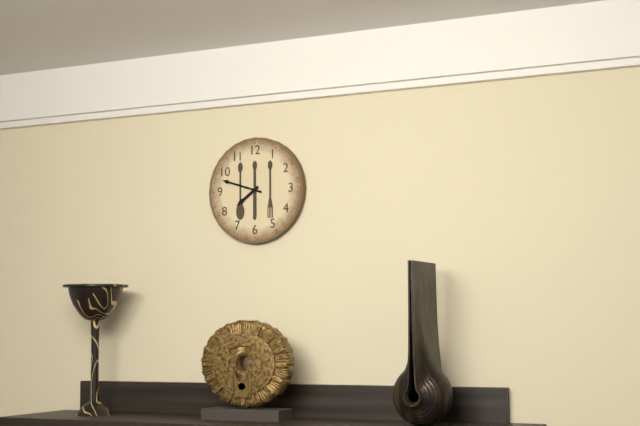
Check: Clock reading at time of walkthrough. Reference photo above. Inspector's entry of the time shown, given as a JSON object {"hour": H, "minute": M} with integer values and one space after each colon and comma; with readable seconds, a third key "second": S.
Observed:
{"hour": 7, "minute": 48}
